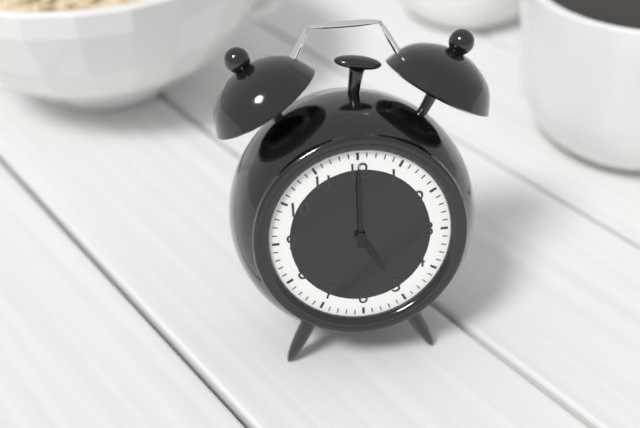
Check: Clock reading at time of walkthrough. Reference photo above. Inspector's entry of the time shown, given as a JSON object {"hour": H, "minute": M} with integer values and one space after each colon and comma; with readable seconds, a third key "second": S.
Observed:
{"hour": 5, "minute": 0}
